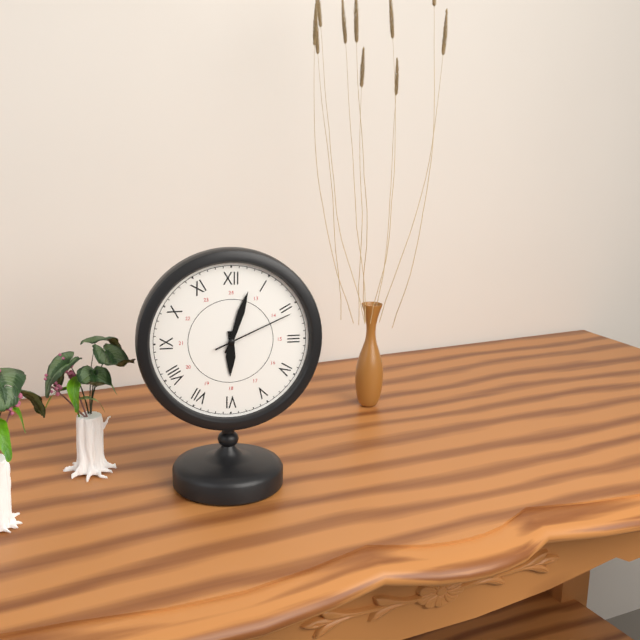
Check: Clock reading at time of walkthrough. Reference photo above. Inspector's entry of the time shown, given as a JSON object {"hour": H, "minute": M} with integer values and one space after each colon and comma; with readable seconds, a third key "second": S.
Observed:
{"hour": 6, "minute": 3, "second": 11}
